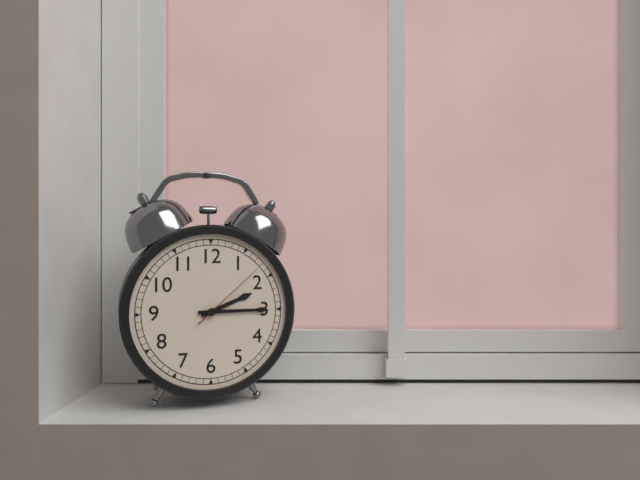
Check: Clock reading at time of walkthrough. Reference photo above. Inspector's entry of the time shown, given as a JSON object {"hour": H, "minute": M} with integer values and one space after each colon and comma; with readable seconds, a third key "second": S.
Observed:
{"hour": 2, "minute": 15, "second": 8}
